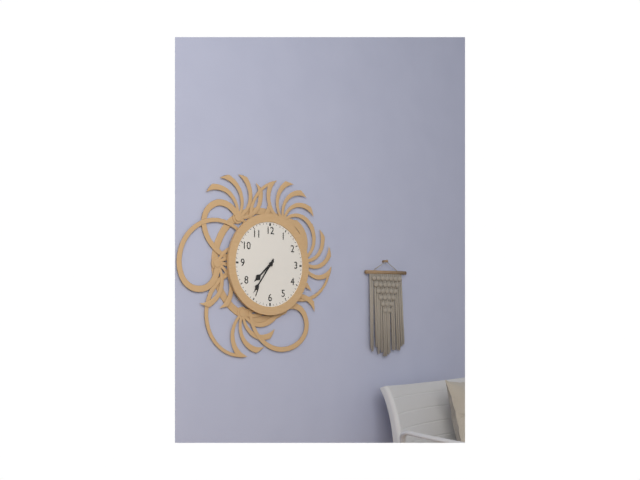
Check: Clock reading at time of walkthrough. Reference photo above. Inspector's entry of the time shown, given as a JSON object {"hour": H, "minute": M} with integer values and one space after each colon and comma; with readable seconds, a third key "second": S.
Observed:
{"hour": 7, "minute": 36}
